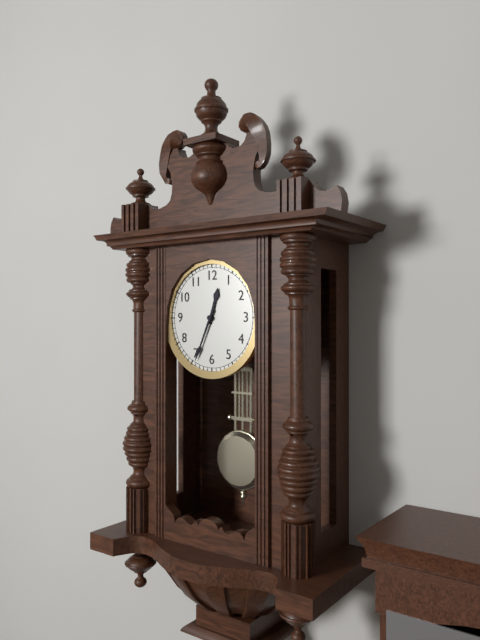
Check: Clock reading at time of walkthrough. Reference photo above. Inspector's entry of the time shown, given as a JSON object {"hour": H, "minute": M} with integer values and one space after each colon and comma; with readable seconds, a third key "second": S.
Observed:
{"hour": 12, "minute": 34}
